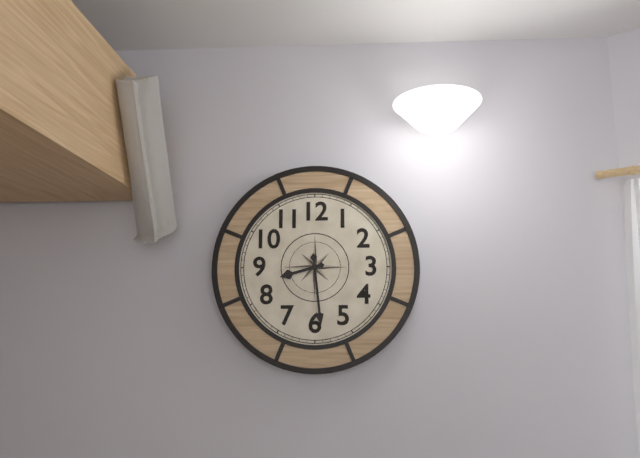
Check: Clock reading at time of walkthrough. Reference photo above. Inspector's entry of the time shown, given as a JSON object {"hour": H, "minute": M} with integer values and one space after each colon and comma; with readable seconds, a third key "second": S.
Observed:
{"hour": 8, "minute": 29}
